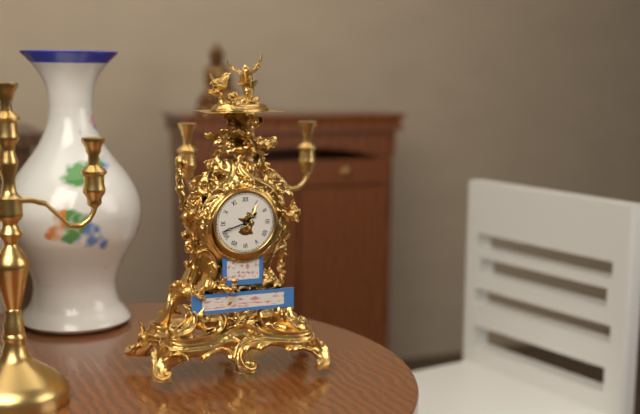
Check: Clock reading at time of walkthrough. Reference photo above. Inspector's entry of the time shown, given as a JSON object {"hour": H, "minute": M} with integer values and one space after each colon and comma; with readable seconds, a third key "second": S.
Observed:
{"hour": 1, "minute": 42}
